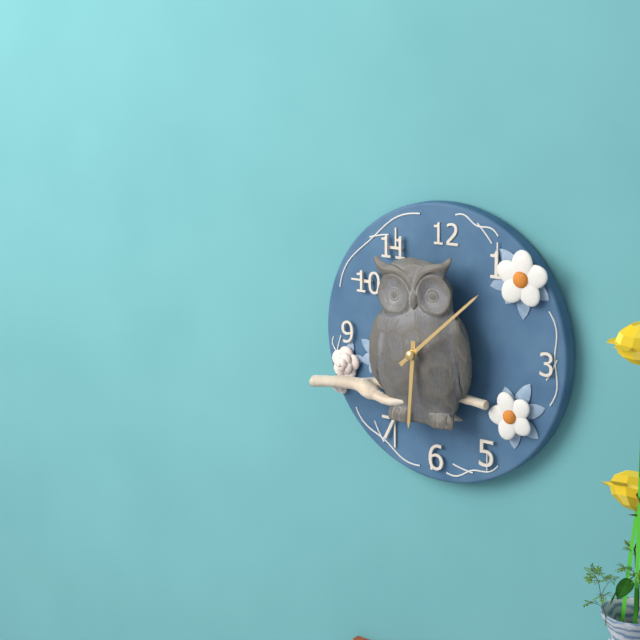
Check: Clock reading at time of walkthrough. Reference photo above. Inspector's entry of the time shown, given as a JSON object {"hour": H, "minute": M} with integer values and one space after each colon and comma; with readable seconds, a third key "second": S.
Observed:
{"hour": 6, "minute": 8}
